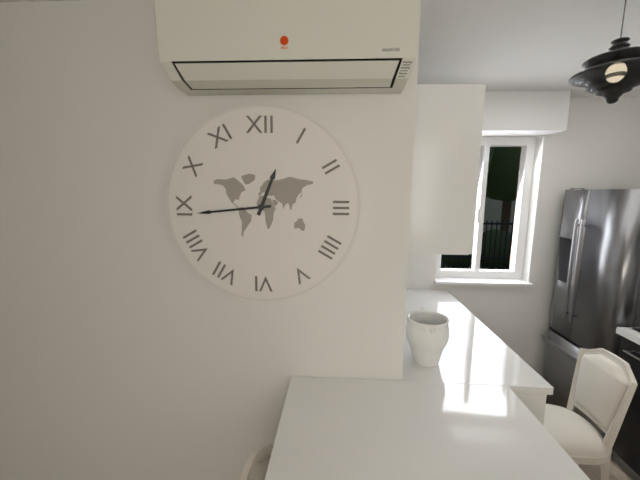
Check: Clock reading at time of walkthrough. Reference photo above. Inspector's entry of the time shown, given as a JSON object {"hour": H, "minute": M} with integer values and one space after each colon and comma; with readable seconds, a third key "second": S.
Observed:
{"hour": 12, "minute": 44}
